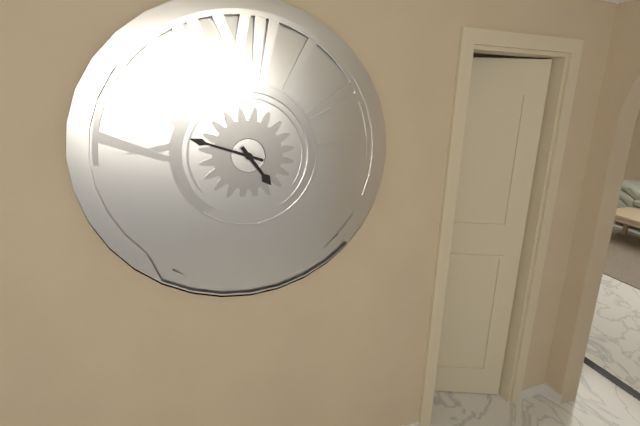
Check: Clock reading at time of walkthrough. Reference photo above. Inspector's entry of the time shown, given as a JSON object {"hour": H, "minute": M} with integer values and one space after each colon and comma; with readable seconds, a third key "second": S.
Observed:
{"hour": 4, "minute": 48}
